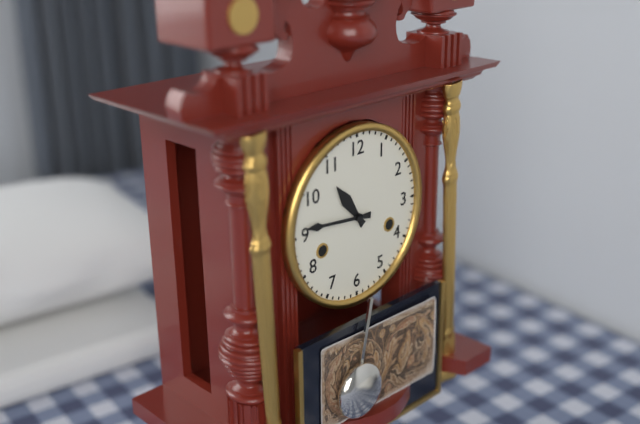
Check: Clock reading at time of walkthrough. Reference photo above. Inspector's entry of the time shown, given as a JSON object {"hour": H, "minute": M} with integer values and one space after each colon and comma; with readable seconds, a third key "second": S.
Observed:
{"hour": 10, "minute": 46}
